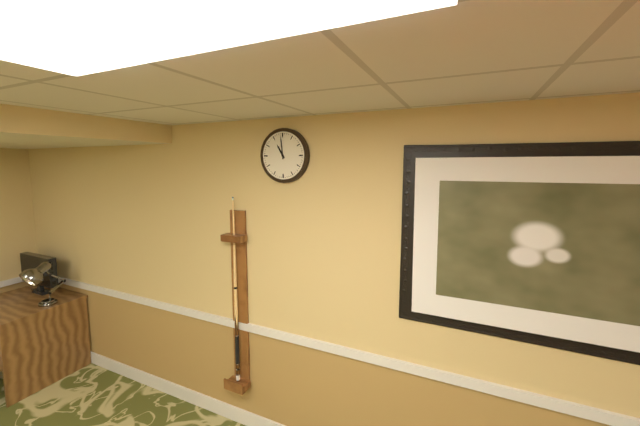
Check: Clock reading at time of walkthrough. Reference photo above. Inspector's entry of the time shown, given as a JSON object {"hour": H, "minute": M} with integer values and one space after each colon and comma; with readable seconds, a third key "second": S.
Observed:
{"hour": 10, "minute": 59}
